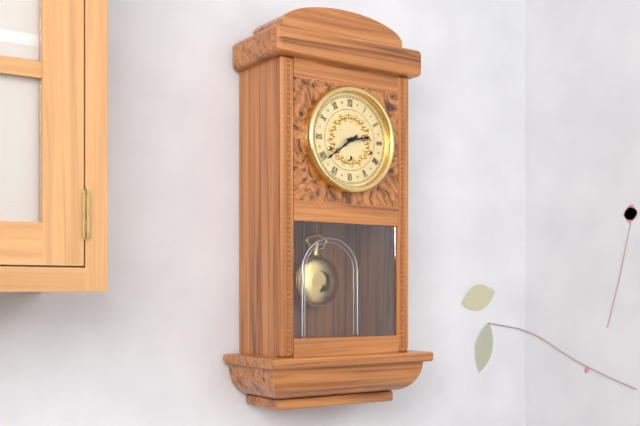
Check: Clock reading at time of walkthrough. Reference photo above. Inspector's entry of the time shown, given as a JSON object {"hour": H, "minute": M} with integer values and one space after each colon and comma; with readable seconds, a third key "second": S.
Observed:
{"hour": 2, "minute": 39}
